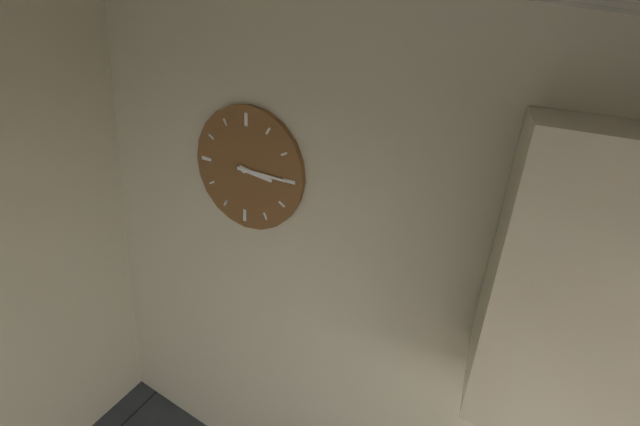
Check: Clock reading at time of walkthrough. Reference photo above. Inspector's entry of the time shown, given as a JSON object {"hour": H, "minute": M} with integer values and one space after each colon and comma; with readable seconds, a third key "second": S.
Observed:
{"hour": 3, "minute": 15}
